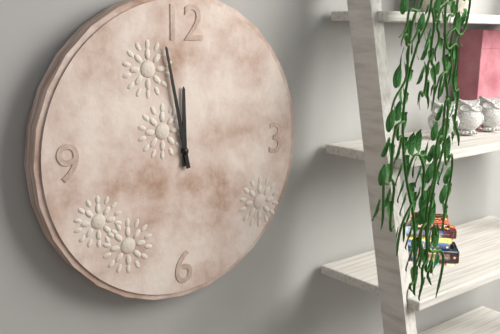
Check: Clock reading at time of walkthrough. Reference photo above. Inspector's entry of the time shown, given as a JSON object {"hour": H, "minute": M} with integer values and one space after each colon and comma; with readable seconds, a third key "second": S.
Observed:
{"hour": 11, "minute": 58}
